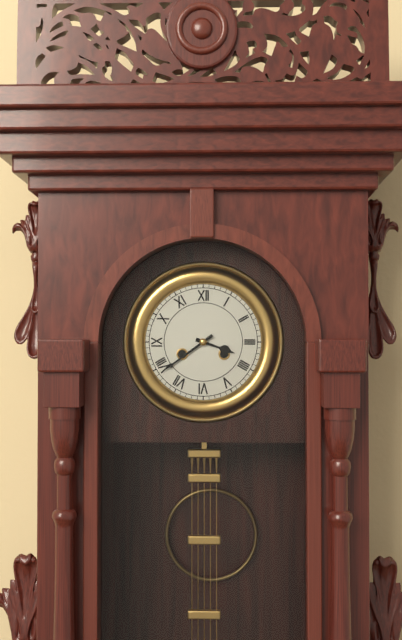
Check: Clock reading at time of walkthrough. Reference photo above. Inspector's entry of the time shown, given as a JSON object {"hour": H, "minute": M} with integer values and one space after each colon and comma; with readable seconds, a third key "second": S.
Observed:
{"hour": 3, "minute": 39}
